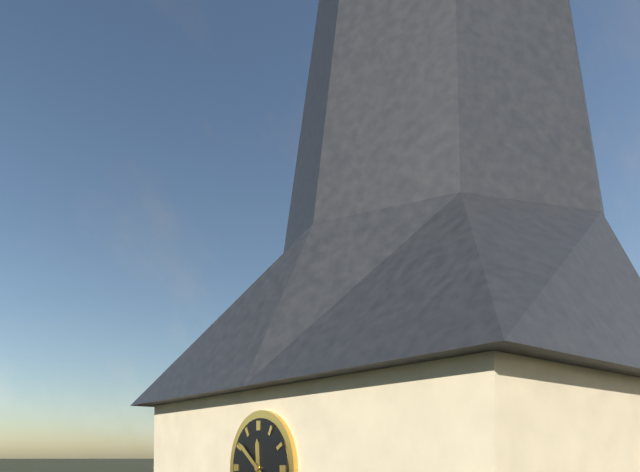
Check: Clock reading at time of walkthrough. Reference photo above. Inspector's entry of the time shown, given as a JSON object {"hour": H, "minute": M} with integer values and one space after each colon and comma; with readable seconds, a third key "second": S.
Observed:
{"hour": 11, "minute": 51}
